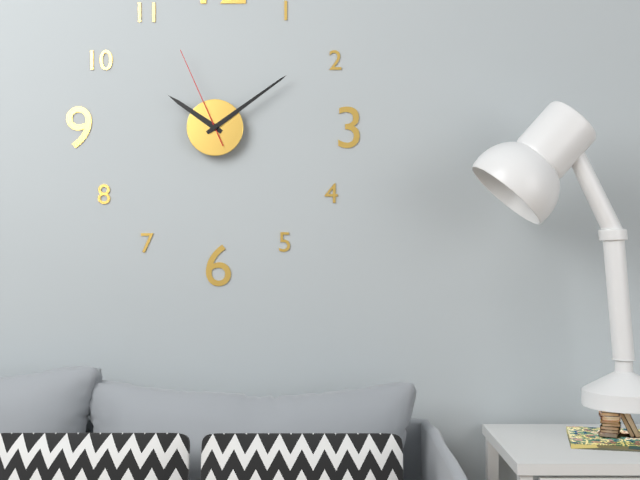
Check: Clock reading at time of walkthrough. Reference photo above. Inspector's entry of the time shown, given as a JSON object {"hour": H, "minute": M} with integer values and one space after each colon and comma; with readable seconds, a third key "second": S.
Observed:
{"hour": 10, "minute": 9, "second": 56}
